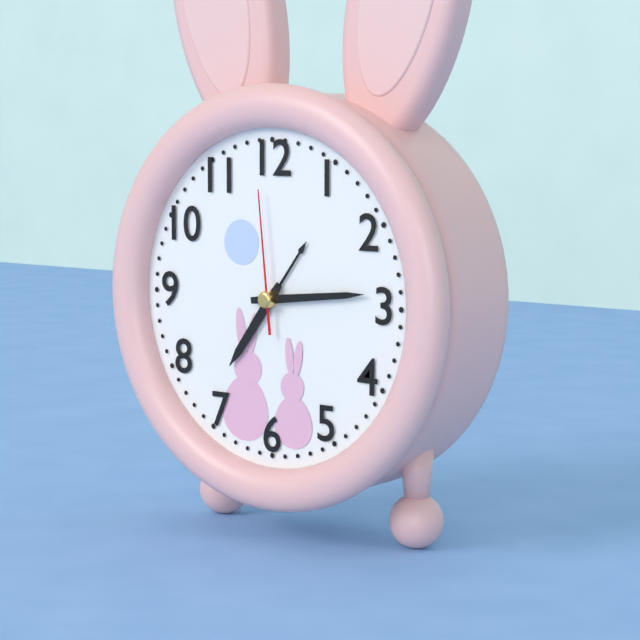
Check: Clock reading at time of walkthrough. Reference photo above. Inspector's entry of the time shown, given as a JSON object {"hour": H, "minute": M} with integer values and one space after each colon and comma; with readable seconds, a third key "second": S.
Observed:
{"hour": 7, "minute": 14, "second": 59}
